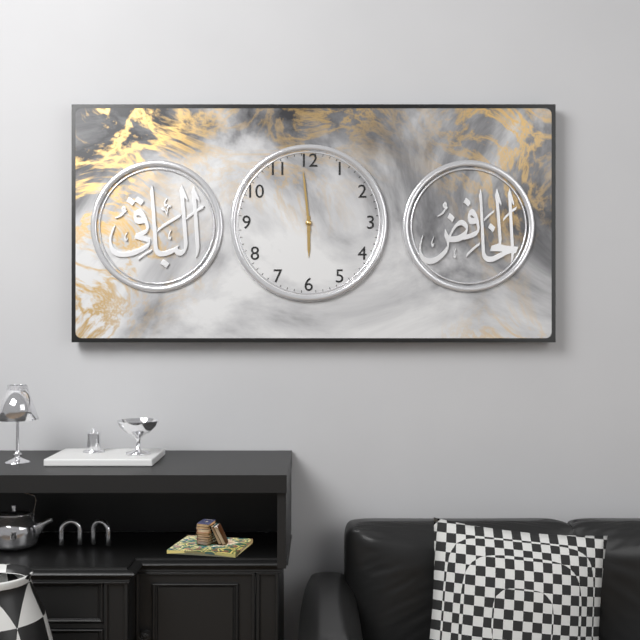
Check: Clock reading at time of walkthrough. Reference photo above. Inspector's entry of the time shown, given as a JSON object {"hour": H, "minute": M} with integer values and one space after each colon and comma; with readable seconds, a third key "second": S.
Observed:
{"hour": 5, "minute": 59}
